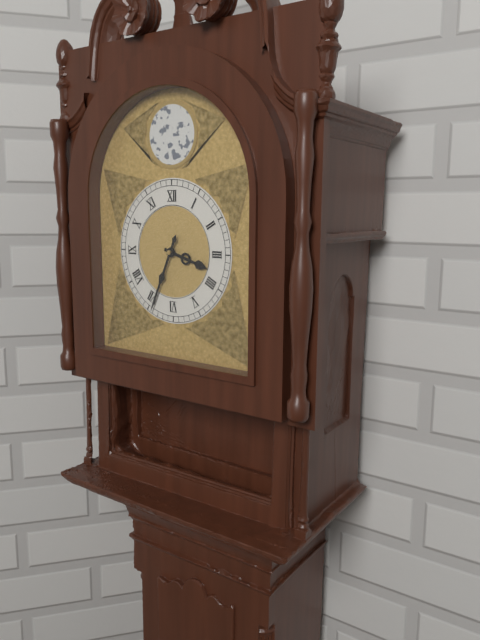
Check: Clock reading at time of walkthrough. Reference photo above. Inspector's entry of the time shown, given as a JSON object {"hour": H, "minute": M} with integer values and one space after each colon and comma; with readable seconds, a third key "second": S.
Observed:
{"hour": 3, "minute": 34}
